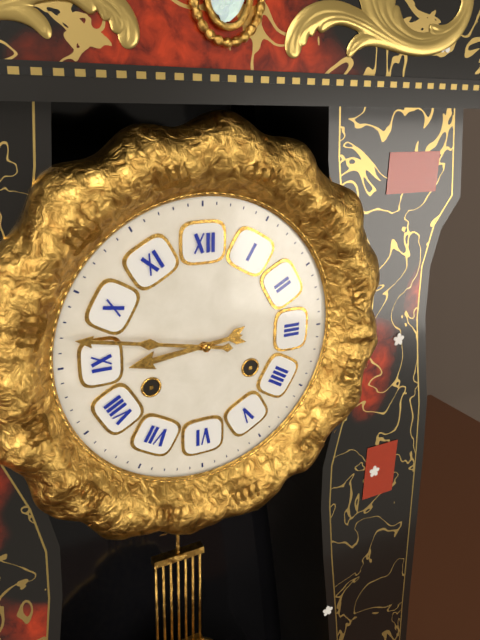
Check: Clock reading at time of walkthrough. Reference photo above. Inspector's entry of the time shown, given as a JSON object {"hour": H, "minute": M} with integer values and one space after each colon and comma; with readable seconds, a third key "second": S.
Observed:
{"hour": 8, "minute": 47}
